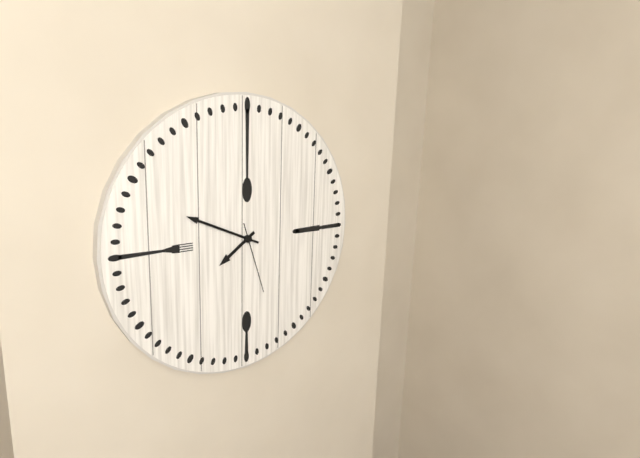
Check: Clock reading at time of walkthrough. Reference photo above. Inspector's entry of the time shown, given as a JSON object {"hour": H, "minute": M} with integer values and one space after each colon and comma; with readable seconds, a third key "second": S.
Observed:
{"hour": 7, "minute": 49, "second": 27}
